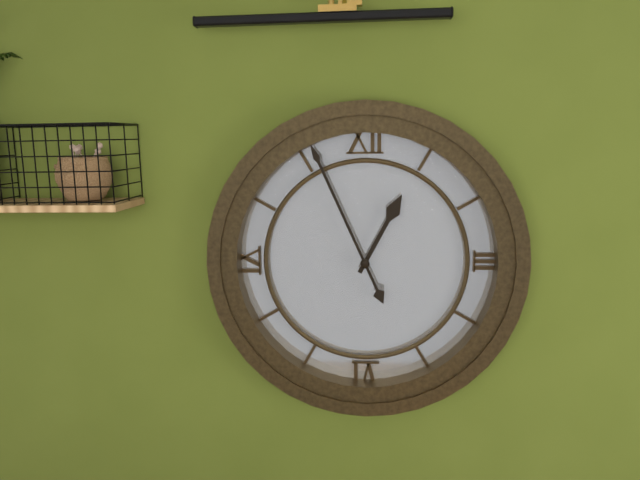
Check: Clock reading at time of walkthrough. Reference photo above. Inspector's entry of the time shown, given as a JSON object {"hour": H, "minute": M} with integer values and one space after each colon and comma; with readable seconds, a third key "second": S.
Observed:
{"hour": 12, "minute": 56}
